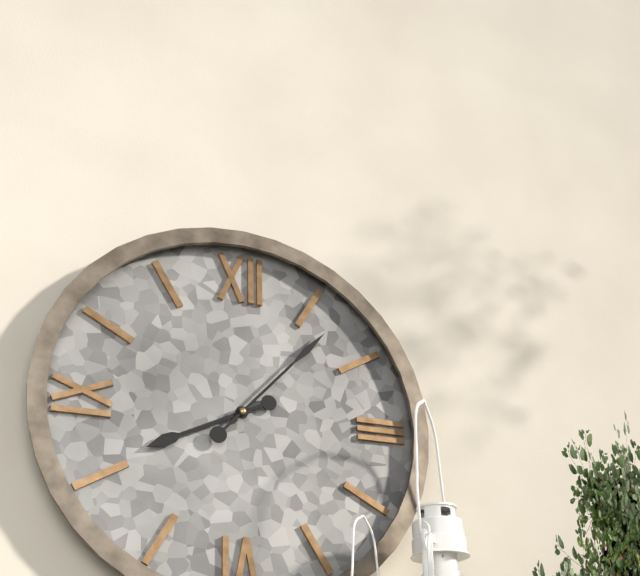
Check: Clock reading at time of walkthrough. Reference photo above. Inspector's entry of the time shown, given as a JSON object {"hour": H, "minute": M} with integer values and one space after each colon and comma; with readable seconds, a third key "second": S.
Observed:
{"hour": 8, "minute": 7}
